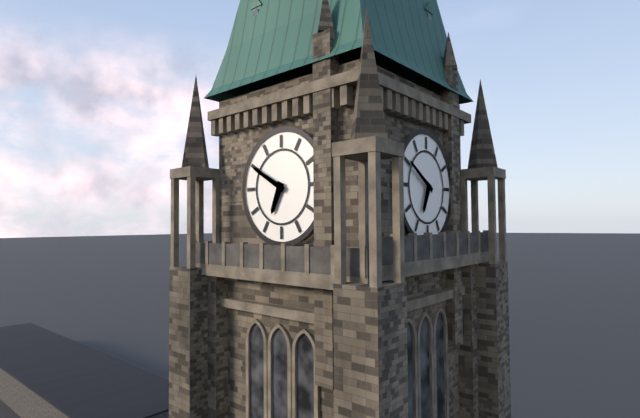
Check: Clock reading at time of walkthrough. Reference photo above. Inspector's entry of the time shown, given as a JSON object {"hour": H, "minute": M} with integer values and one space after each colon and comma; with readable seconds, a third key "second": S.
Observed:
{"hour": 6, "minute": 50}
